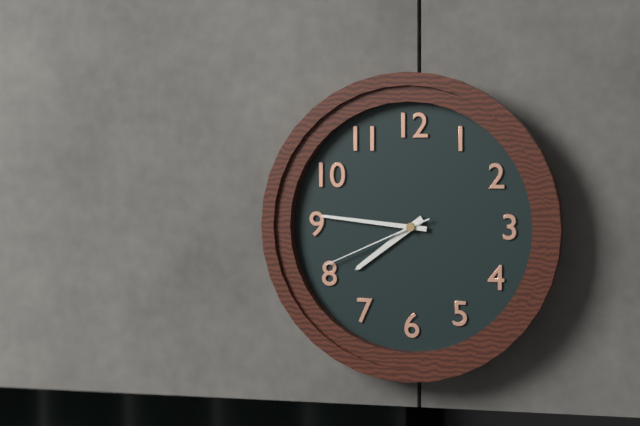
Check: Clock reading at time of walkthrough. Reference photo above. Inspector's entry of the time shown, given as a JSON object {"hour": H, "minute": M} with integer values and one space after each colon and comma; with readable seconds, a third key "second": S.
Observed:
{"hour": 7, "minute": 46, "second": 41}
